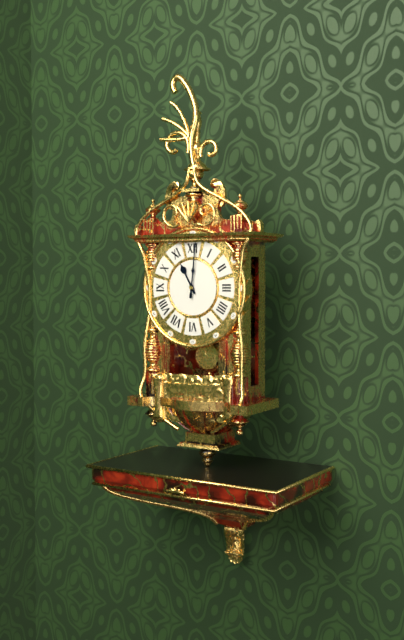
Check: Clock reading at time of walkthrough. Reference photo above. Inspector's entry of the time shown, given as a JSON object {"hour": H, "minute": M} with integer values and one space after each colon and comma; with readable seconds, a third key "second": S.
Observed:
{"hour": 11, "minute": 1}
